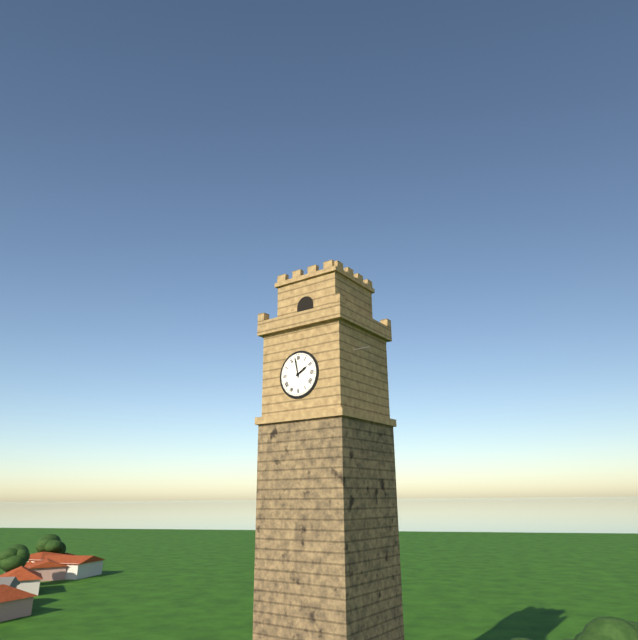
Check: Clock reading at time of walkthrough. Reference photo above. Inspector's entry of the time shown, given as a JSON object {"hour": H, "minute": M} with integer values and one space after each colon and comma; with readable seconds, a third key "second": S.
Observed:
{"hour": 1, "minute": 58}
